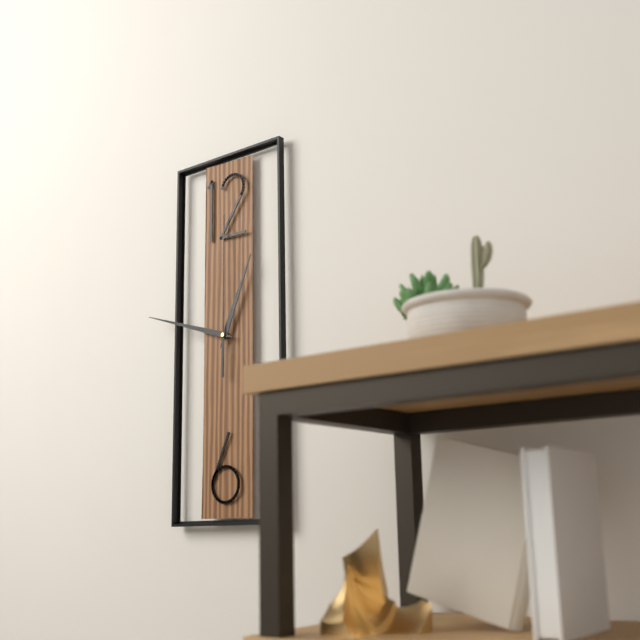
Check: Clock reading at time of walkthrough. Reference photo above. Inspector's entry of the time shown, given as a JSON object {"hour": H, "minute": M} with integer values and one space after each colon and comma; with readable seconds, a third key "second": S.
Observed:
{"hour": 12, "minute": 48, "second": 0}
